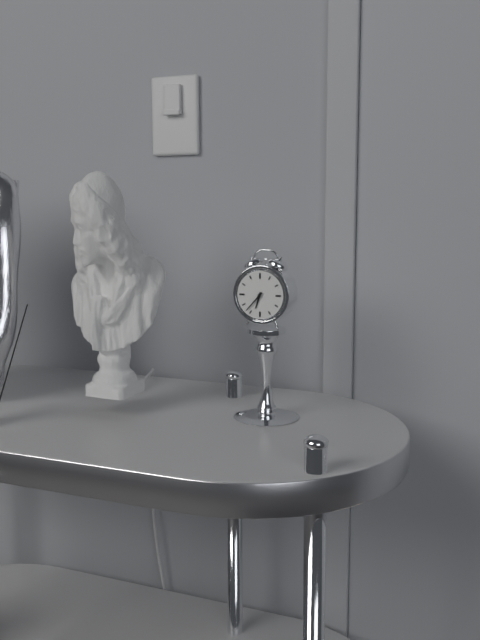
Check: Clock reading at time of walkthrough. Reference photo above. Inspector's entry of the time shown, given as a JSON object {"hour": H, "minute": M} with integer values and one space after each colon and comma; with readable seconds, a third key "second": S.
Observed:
{"hour": 6, "minute": 37}
